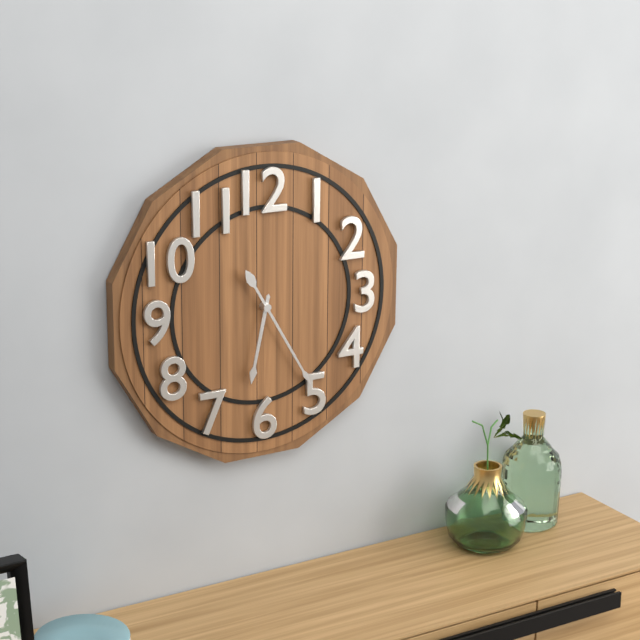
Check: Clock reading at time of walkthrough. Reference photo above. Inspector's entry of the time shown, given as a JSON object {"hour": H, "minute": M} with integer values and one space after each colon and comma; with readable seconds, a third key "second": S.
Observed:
{"hour": 6, "minute": 25}
